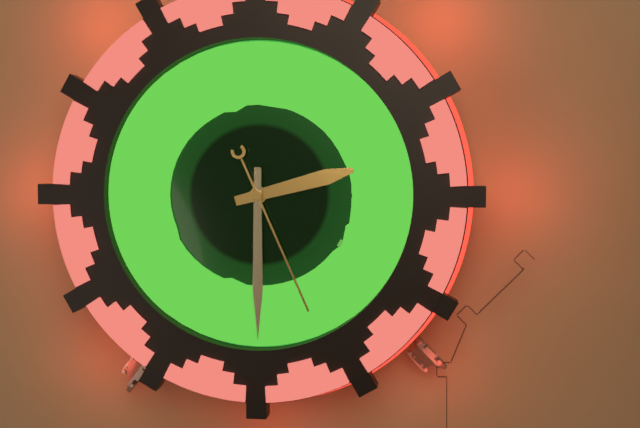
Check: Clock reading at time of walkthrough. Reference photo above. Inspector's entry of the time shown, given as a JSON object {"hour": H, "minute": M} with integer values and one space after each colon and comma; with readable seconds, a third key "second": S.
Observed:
{"hour": 2, "minute": 30, "second": 26}
